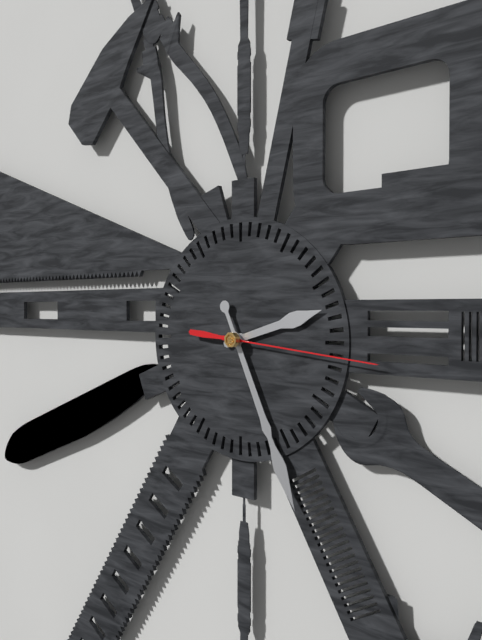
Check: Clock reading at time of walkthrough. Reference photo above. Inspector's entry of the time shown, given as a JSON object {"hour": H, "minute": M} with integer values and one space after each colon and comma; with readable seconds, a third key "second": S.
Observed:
{"hour": 2, "minute": 26, "second": 16}
